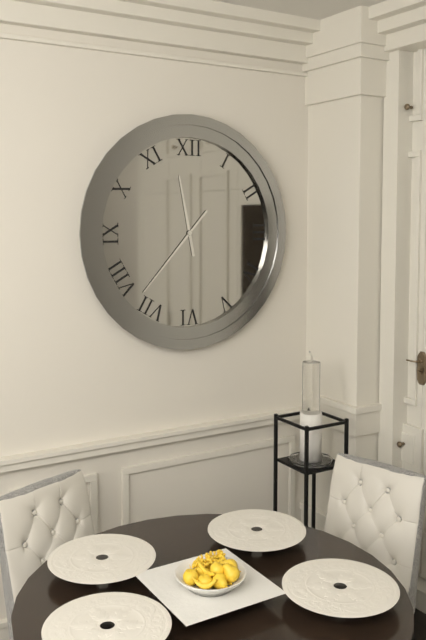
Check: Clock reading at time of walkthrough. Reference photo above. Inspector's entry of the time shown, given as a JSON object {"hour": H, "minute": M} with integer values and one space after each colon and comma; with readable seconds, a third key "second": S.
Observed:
{"hour": 11, "minute": 37}
